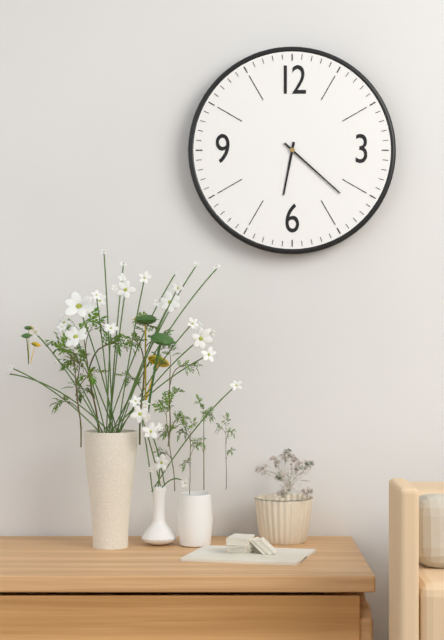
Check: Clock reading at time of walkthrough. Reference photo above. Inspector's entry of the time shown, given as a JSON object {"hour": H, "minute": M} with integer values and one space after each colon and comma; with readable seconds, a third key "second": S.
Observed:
{"hour": 6, "minute": 22}
